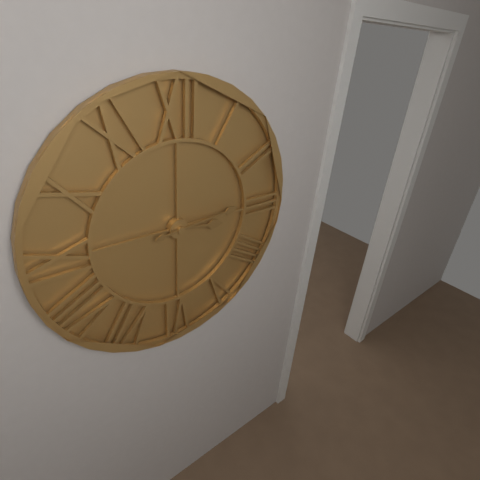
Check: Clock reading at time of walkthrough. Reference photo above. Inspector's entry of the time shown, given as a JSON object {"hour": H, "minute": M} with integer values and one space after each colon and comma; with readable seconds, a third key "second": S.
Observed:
{"hour": 3, "minute": 14}
